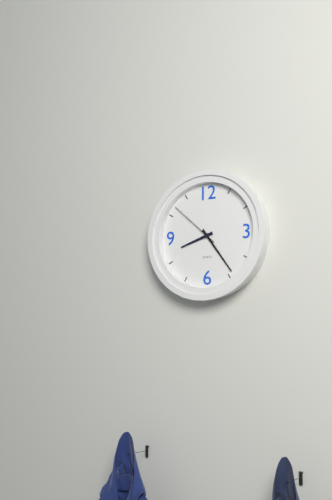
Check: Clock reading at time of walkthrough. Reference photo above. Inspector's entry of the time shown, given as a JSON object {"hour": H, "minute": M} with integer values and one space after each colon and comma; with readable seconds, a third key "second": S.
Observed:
{"hour": 8, "minute": 24, "second": 52}
